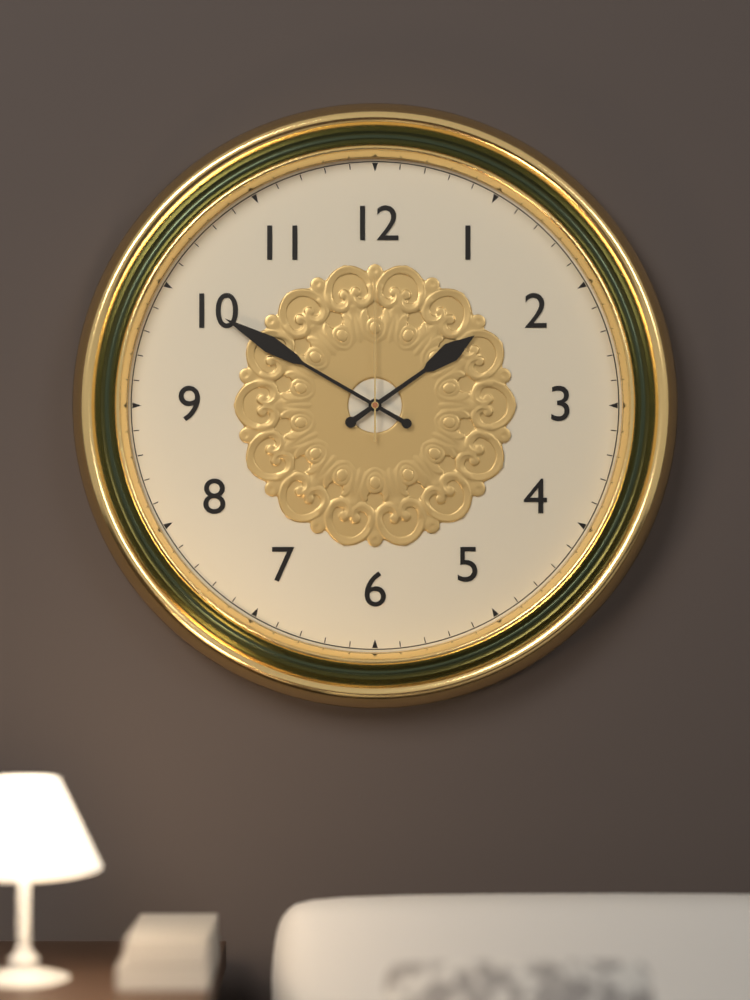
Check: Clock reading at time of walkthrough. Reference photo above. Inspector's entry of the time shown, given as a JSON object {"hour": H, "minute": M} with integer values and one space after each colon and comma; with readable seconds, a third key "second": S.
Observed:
{"hour": 1, "minute": 50, "second": 0}
